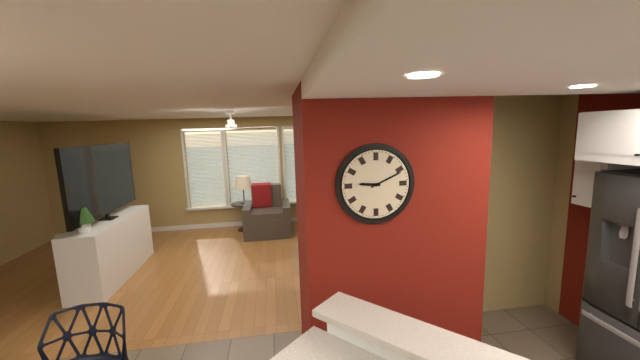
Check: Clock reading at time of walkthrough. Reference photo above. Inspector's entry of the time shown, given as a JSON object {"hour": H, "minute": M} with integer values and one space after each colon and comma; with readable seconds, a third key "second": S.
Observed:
{"hour": 9, "minute": 11}
